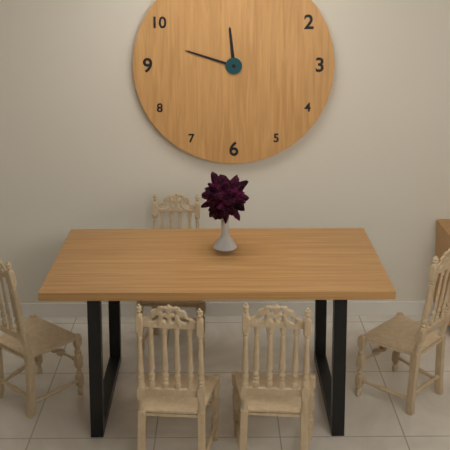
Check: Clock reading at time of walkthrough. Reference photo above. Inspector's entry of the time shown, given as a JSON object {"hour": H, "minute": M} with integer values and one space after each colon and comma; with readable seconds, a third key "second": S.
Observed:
{"hour": 11, "minute": 48}
